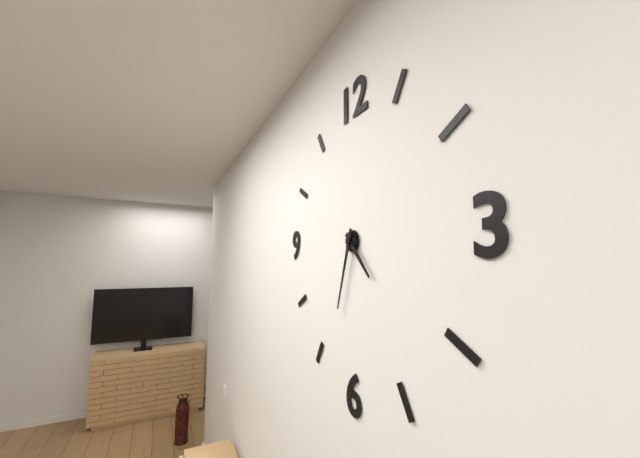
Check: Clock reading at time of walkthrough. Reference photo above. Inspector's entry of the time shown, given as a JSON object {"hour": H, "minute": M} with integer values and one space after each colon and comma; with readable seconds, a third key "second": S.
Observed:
{"hour": 4, "minute": 33}
